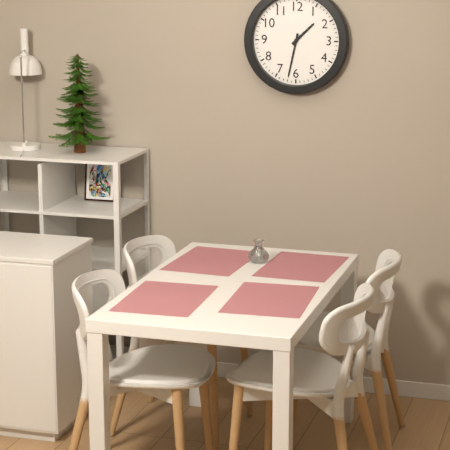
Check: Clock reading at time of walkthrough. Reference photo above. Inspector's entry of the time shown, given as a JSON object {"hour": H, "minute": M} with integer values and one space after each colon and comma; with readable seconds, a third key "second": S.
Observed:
{"hour": 1, "minute": 32}
